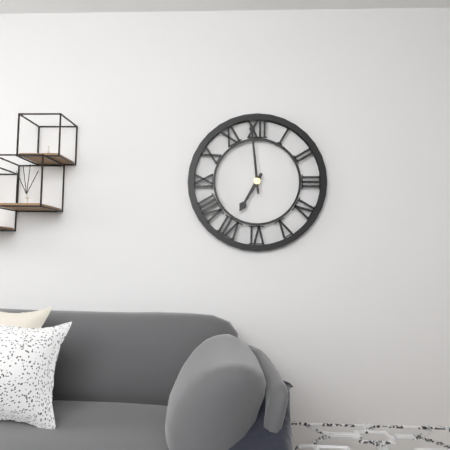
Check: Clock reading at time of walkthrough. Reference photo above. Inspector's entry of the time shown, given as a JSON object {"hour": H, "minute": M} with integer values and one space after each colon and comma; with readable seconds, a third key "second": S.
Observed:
{"hour": 6, "minute": 59}
